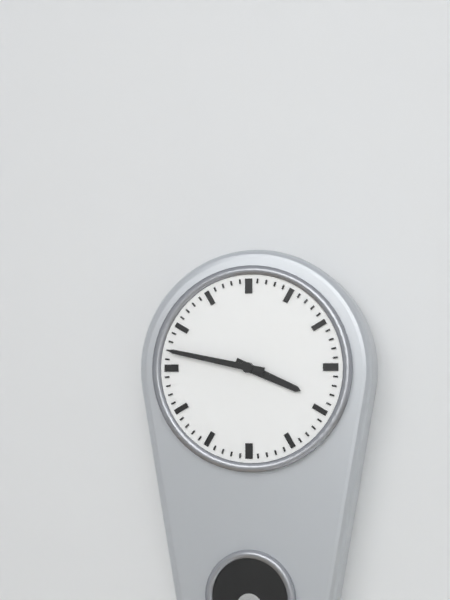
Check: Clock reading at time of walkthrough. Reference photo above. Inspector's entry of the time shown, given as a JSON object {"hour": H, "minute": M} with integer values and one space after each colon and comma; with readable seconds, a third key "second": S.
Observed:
{"hour": 3, "minute": 47}
